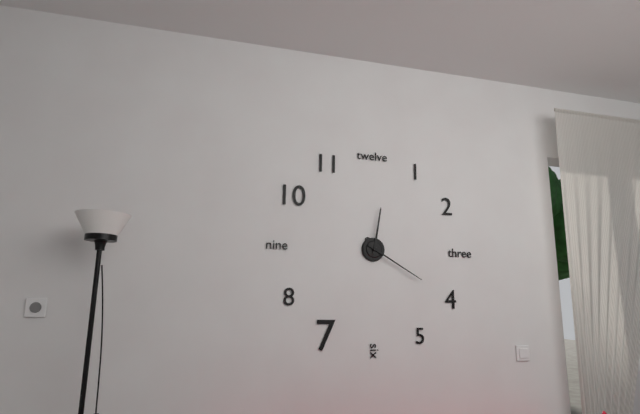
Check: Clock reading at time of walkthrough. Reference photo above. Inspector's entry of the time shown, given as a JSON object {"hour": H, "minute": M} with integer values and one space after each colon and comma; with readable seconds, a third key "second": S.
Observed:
{"hour": 12, "minute": 20}
